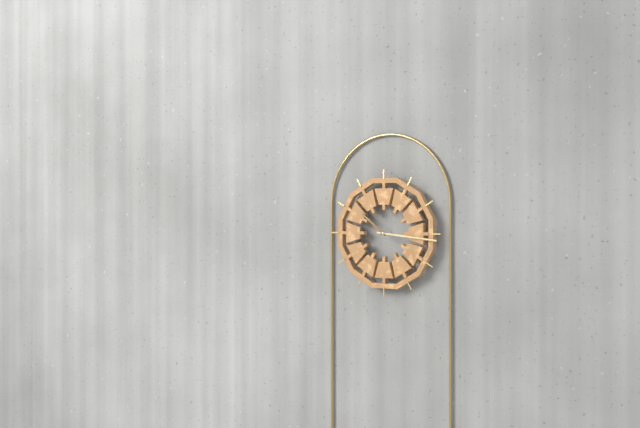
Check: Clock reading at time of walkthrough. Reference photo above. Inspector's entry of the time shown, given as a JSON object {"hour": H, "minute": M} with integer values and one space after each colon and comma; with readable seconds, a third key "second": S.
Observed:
{"hour": 10, "minute": 16}
